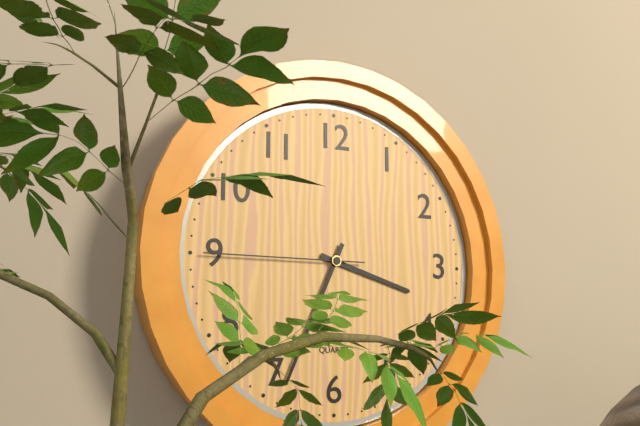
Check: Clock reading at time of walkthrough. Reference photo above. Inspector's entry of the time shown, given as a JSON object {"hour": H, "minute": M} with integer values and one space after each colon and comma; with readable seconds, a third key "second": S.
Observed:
{"hour": 3, "minute": 34, "second": 45}
